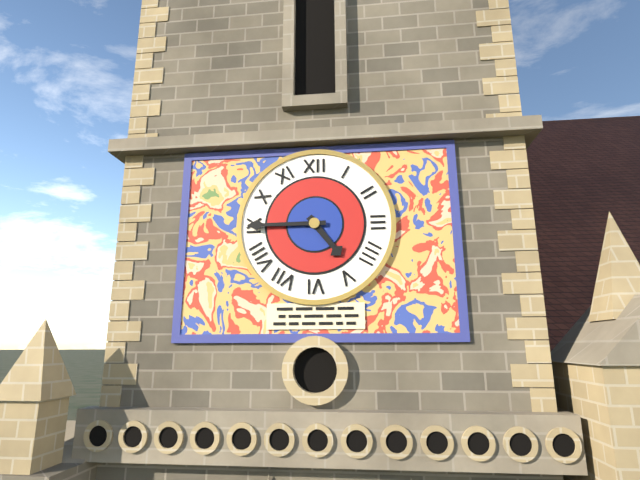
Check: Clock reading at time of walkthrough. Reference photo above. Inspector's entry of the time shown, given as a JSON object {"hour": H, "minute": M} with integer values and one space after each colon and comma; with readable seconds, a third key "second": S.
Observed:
{"hour": 4, "minute": 45}
